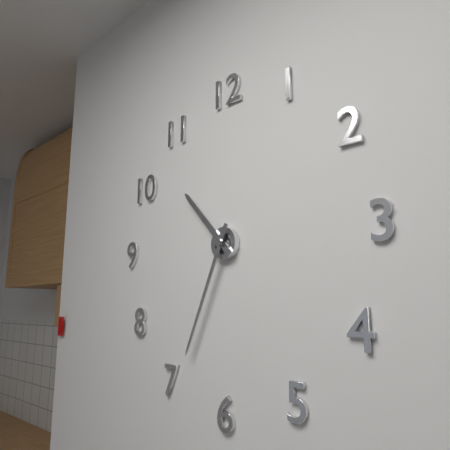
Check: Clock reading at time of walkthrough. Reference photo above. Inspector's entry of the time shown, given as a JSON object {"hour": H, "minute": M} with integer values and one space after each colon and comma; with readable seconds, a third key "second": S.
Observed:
{"hour": 10, "minute": 34}
